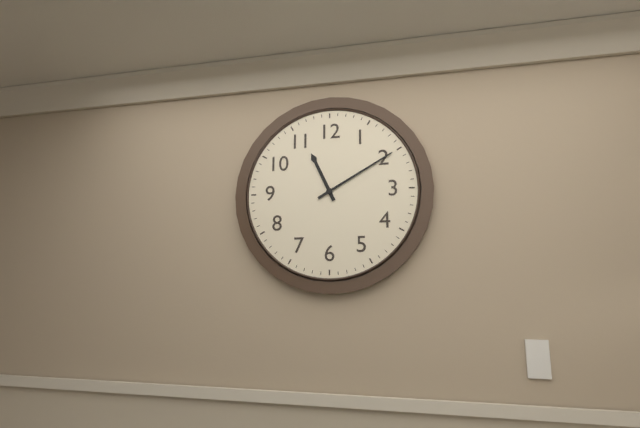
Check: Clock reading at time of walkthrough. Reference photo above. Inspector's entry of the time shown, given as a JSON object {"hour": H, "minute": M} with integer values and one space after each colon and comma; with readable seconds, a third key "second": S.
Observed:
{"hour": 11, "minute": 10}
